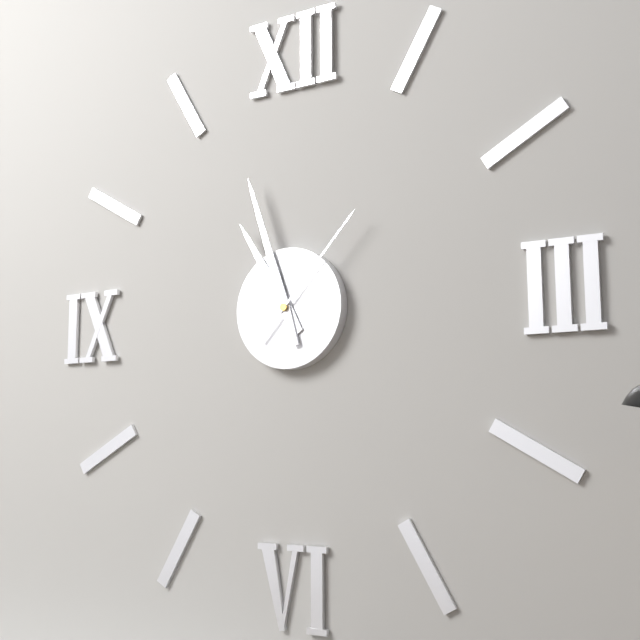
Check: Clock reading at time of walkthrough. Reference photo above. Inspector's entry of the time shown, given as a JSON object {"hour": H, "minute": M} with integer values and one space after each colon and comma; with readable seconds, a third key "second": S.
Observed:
{"hour": 10, "minute": 57, "second": 7}
